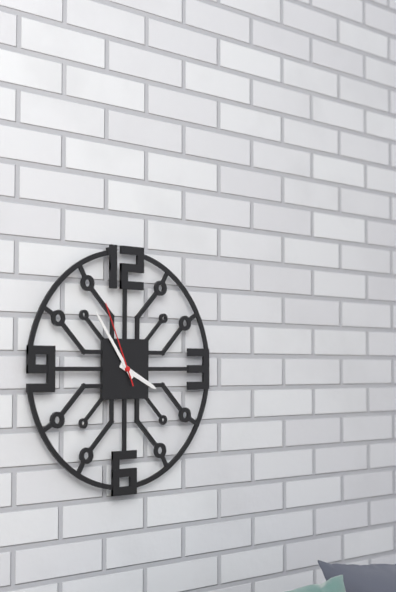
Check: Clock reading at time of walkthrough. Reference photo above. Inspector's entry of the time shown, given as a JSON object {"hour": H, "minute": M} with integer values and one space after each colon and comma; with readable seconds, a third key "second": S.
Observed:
{"hour": 3, "minute": 54, "second": 56}
